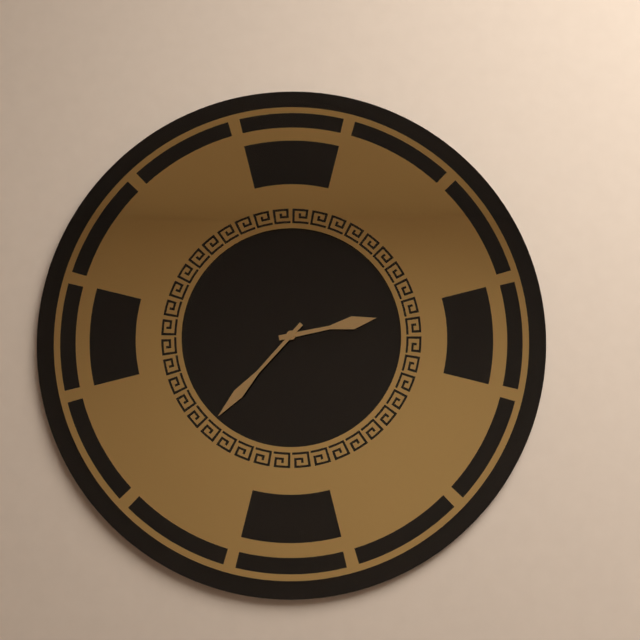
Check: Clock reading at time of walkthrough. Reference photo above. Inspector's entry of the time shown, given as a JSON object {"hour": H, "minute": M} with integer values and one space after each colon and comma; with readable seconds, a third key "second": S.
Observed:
{"hour": 2, "minute": 37}
